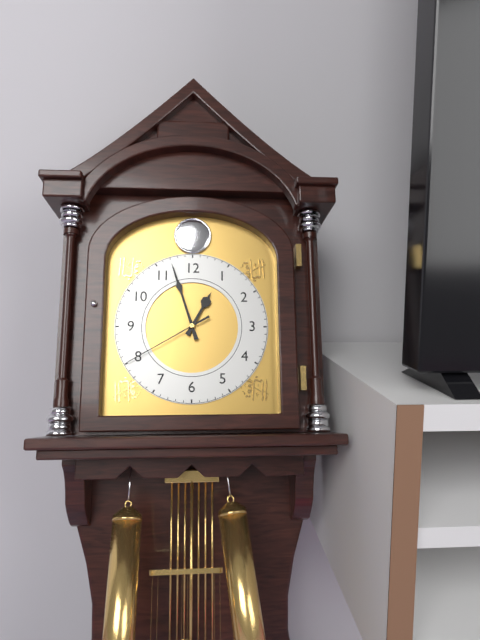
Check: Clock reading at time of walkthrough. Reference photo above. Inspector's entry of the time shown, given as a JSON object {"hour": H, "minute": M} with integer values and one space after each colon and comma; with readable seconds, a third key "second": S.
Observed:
{"hour": 12, "minute": 57, "second": 40}
